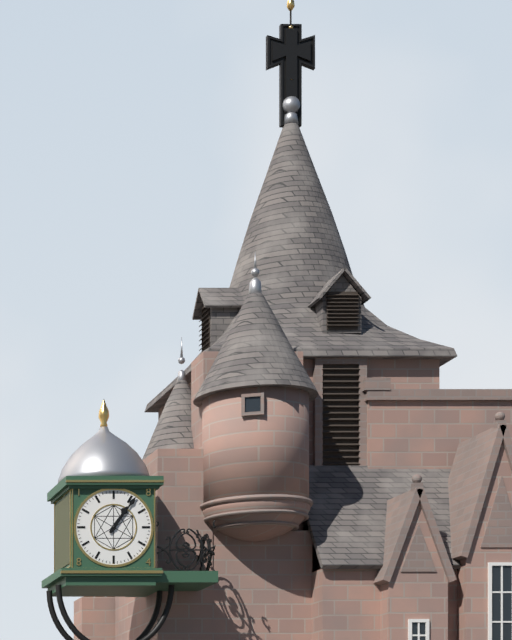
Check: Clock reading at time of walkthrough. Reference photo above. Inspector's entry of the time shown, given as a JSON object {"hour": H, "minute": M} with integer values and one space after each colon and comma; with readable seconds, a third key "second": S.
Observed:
{"hour": 1, "minute": 6}
